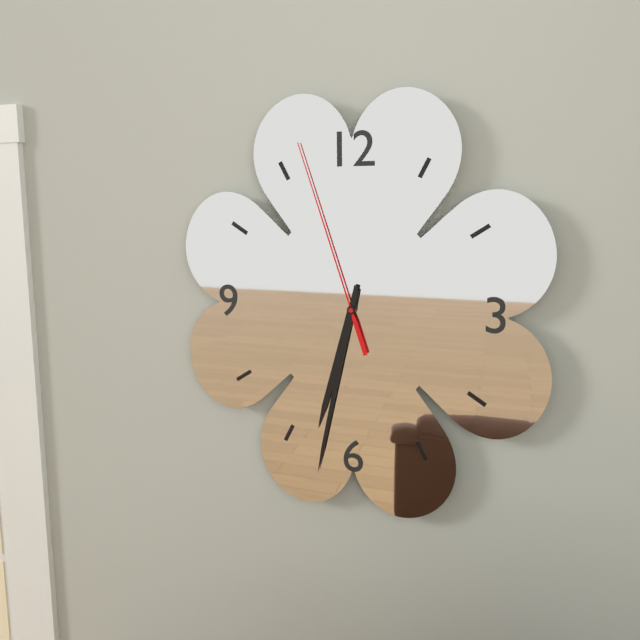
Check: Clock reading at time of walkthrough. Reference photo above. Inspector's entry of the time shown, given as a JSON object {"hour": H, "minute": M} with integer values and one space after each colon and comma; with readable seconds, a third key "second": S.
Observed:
{"hour": 6, "minute": 32, "second": 57}
